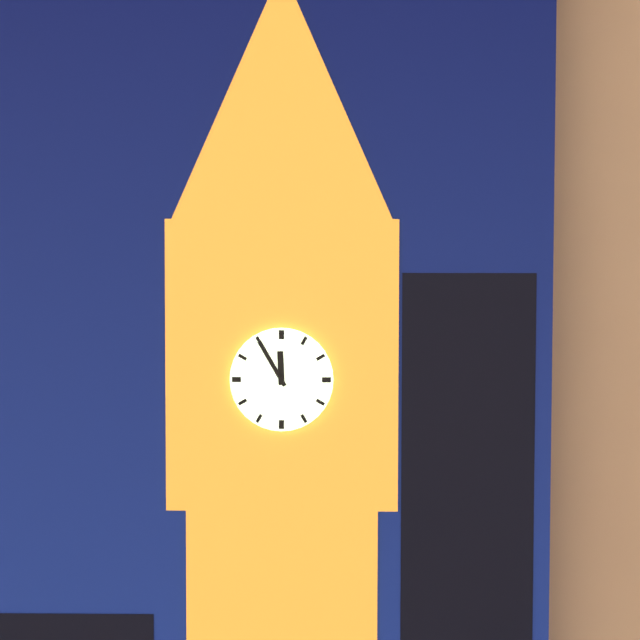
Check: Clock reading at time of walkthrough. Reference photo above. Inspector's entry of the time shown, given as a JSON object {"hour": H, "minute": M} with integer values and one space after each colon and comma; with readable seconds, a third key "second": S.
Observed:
{"hour": 11, "minute": 55}
